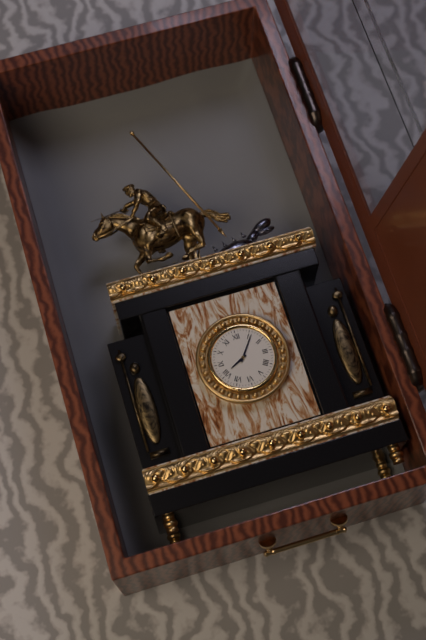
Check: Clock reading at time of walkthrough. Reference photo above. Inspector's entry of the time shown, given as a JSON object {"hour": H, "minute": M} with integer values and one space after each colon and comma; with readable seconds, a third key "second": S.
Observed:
{"hour": 8, "minute": 6}
